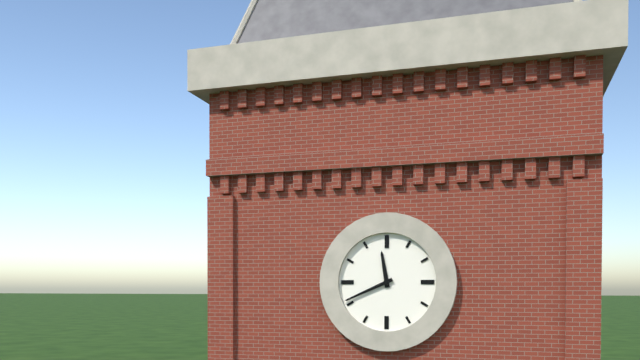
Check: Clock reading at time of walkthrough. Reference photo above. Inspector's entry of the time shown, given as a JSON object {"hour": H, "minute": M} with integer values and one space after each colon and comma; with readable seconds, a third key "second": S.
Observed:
{"hour": 11, "minute": 41}
